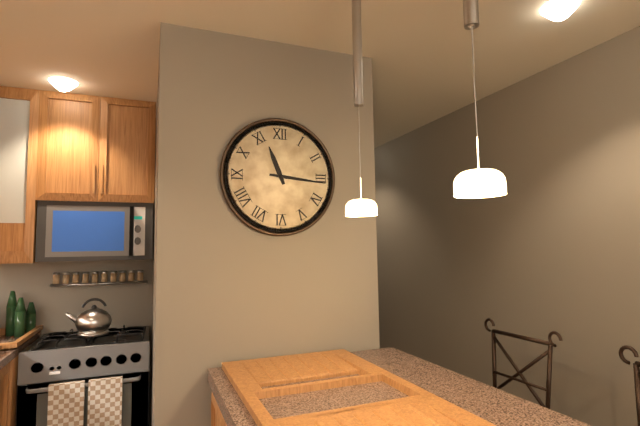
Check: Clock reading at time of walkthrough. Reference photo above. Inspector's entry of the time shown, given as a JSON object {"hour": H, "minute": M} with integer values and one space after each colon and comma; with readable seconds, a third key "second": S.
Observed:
{"hour": 11, "minute": 16}
